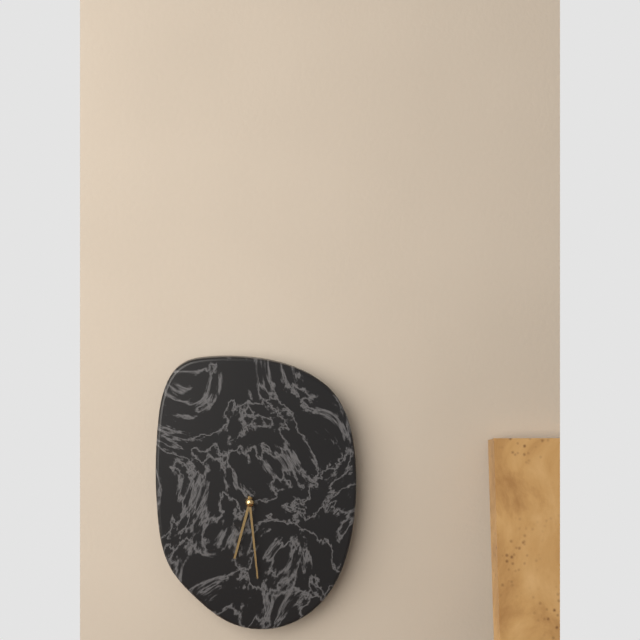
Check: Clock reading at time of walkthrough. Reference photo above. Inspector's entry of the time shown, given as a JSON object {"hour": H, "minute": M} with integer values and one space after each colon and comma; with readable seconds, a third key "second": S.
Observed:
{"hour": 6, "minute": 29}
